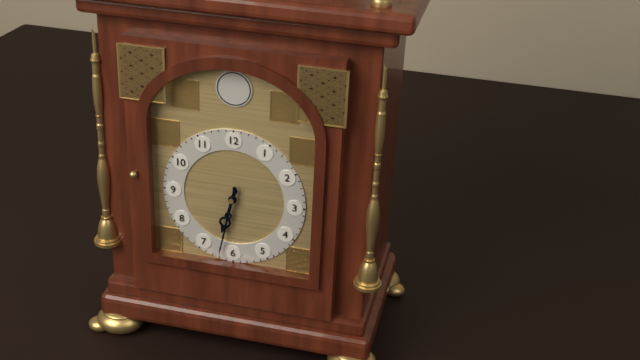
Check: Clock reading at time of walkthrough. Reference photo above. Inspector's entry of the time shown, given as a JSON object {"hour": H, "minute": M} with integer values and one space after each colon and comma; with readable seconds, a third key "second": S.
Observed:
{"hour": 6, "minute": 32}
